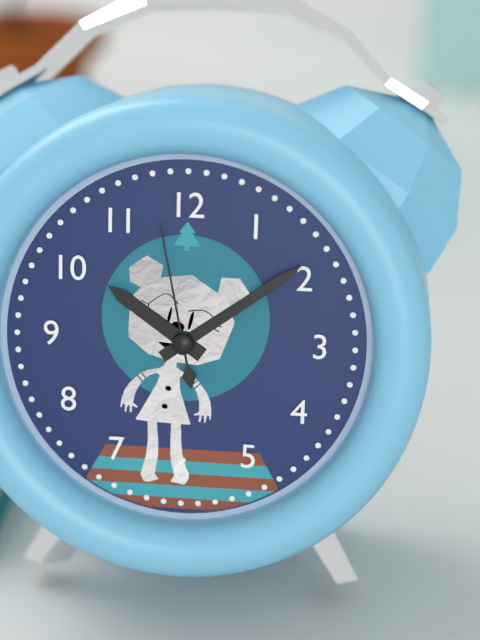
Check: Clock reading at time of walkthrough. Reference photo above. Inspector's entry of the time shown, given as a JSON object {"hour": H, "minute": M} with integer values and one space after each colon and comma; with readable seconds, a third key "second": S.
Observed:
{"hour": 10, "minute": 9, "second": 58}
